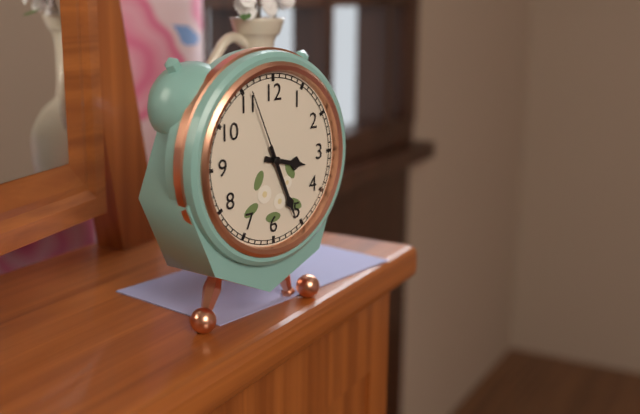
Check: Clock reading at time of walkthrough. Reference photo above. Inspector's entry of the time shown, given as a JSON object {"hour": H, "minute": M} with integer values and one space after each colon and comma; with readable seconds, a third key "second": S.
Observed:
{"hour": 3, "minute": 26, "second": 56}
